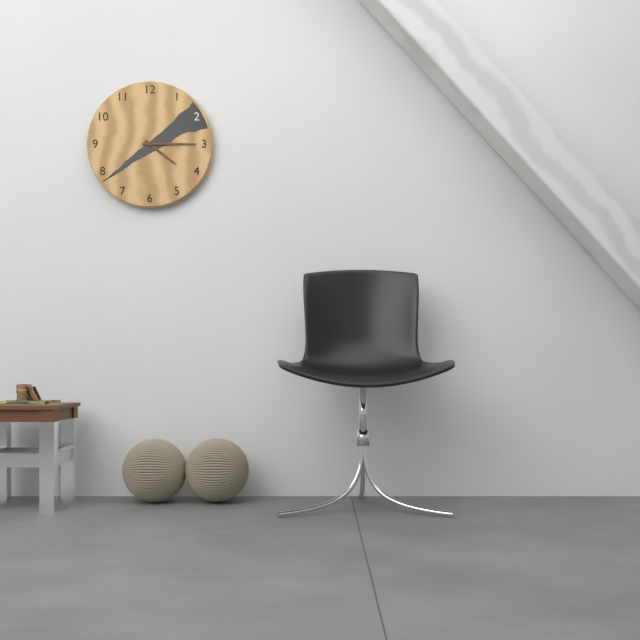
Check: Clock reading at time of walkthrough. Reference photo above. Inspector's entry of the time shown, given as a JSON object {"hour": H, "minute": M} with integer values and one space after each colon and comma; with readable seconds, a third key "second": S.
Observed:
{"hour": 4, "minute": 15}
